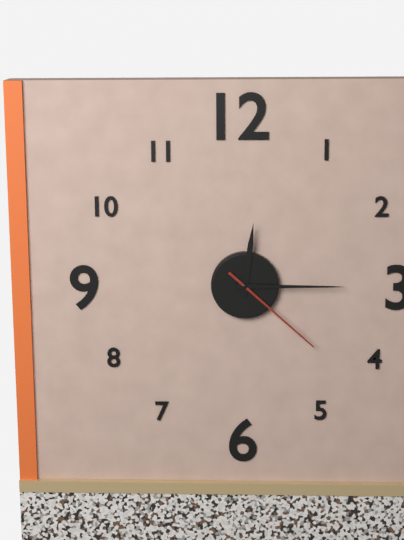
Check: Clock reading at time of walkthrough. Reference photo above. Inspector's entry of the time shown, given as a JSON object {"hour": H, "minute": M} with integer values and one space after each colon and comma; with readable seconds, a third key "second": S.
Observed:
{"hour": 12, "minute": 15, "second": 22}
